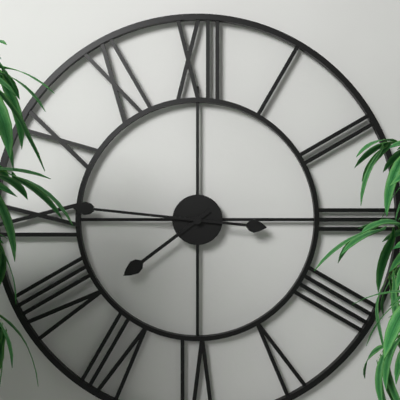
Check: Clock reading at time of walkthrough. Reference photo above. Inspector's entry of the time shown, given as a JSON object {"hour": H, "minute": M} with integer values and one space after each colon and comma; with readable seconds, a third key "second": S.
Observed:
{"hour": 7, "minute": 46}
